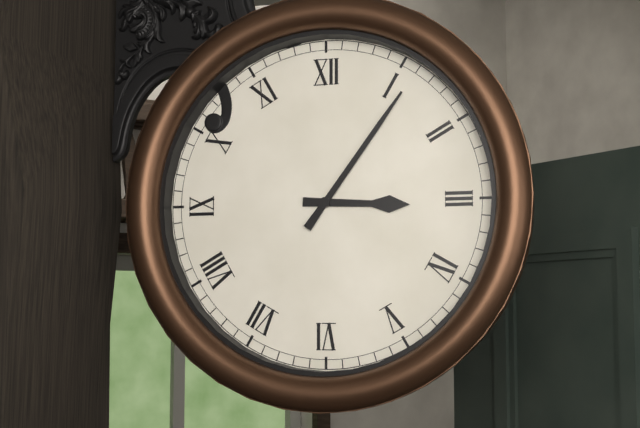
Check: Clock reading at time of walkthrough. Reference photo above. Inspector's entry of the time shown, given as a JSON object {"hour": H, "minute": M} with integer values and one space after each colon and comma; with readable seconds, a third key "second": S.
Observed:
{"hour": 3, "minute": 6}
